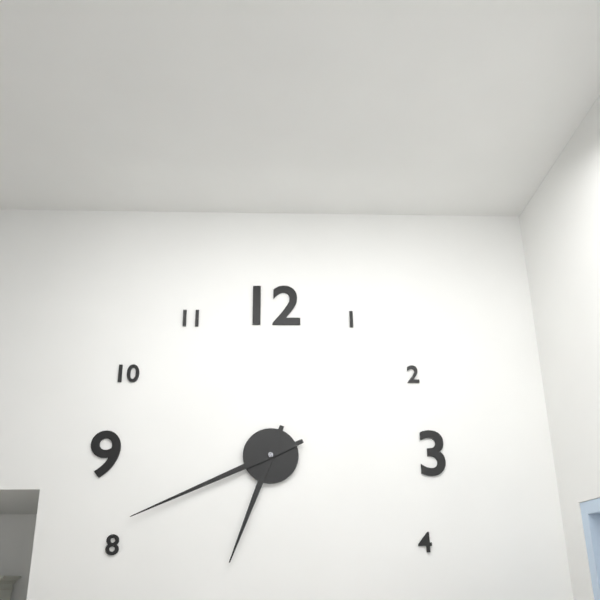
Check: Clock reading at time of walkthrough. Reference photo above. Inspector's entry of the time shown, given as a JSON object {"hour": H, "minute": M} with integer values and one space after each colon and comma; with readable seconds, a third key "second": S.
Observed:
{"hour": 6, "minute": 41}
